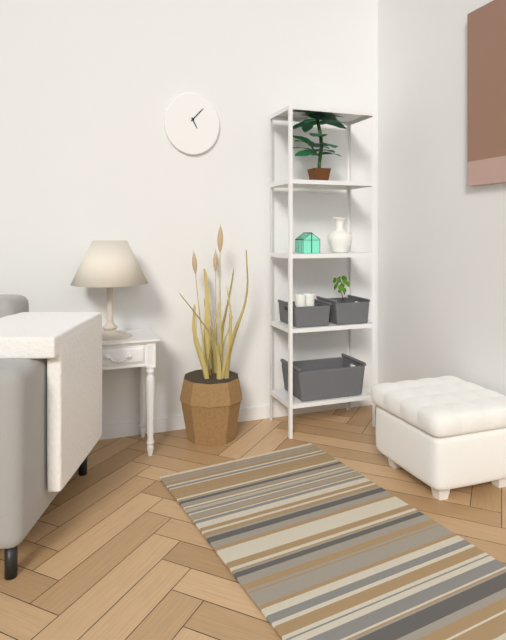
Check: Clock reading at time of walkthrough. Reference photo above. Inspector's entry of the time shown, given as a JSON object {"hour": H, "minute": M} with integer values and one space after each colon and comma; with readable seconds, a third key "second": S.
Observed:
{"hour": 5, "minute": 7}
